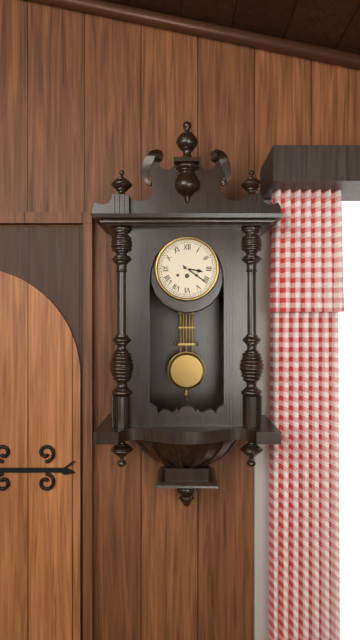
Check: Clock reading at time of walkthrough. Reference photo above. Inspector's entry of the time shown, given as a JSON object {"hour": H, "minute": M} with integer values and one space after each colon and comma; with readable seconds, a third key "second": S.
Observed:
{"hour": 3, "minute": 21}
